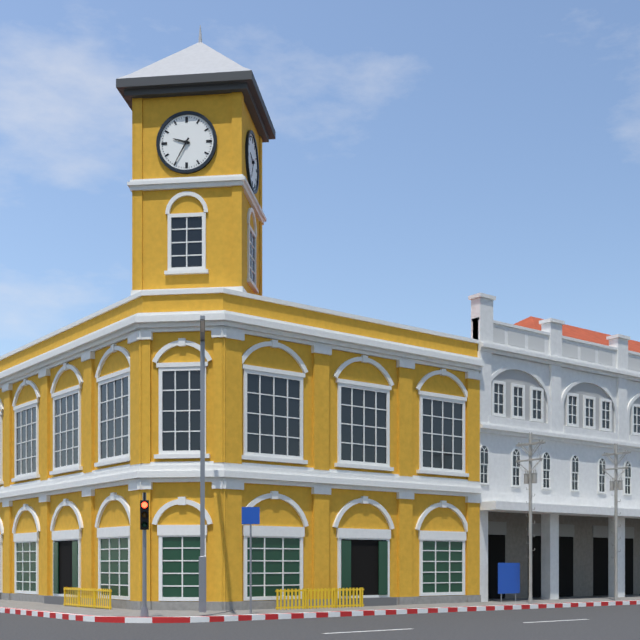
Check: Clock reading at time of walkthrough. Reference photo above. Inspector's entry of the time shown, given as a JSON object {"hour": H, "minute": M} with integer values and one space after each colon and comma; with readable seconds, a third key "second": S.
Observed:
{"hour": 9, "minute": 35}
